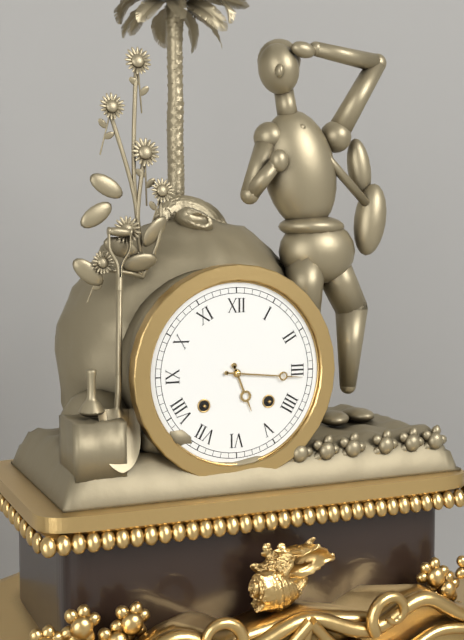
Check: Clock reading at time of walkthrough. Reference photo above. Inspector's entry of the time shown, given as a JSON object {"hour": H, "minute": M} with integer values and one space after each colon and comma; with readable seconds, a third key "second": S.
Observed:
{"hour": 5, "minute": 16}
